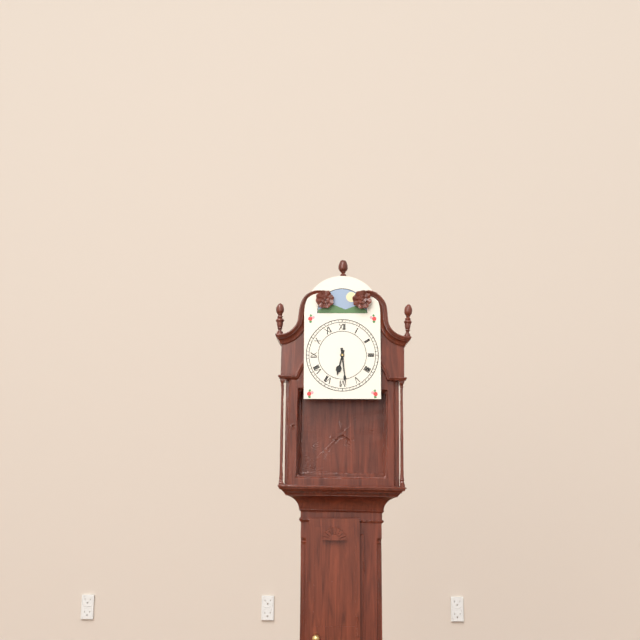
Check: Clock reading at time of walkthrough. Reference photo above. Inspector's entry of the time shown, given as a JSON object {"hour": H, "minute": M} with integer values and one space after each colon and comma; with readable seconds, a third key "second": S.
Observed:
{"hour": 6, "minute": 29}
